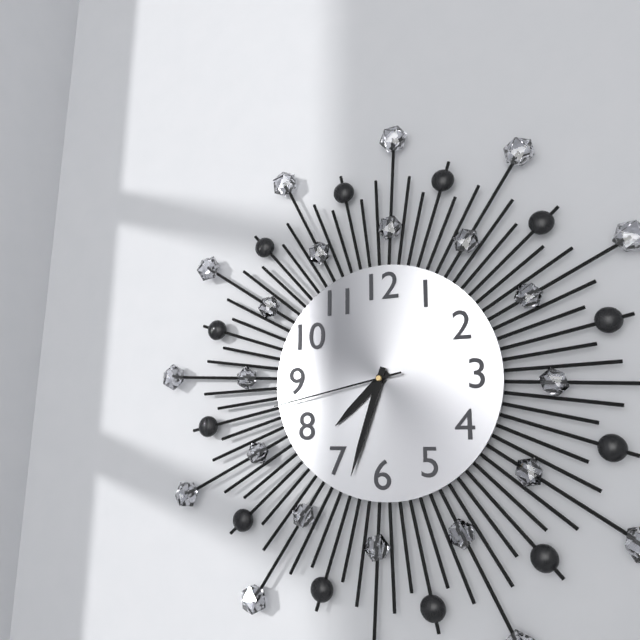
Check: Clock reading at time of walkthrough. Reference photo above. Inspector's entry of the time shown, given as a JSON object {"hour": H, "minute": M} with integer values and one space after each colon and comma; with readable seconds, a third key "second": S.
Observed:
{"hour": 7, "minute": 33, "second": 43}
